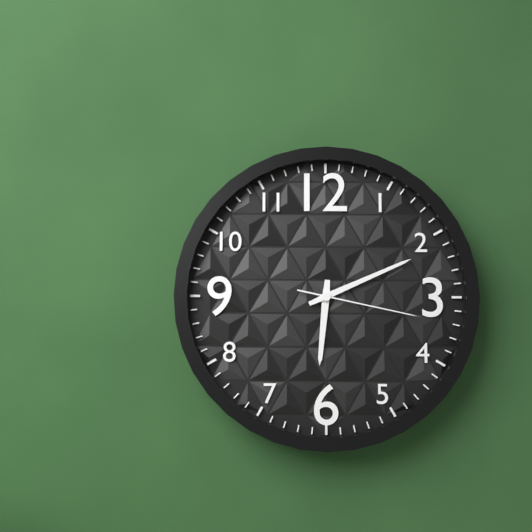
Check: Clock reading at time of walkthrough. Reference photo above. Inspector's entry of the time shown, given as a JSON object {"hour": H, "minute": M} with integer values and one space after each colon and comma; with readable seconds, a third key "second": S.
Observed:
{"hour": 6, "minute": 11, "second": 17}
